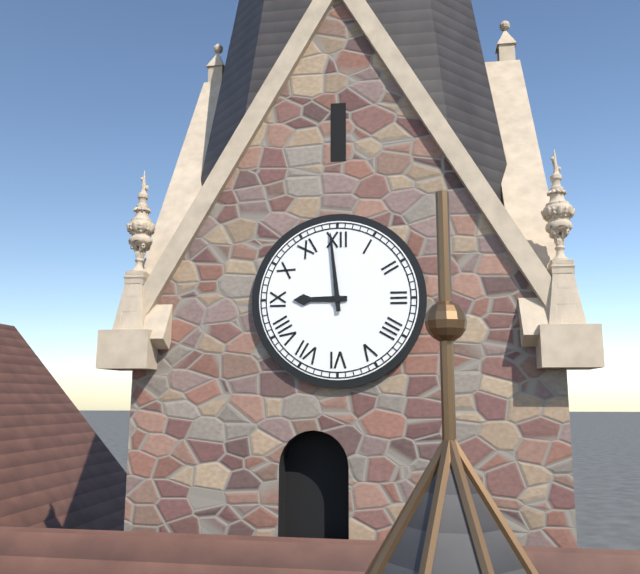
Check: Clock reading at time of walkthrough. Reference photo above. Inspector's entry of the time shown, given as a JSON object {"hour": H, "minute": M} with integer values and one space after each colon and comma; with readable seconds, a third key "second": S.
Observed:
{"hour": 8, "minute": 59}
